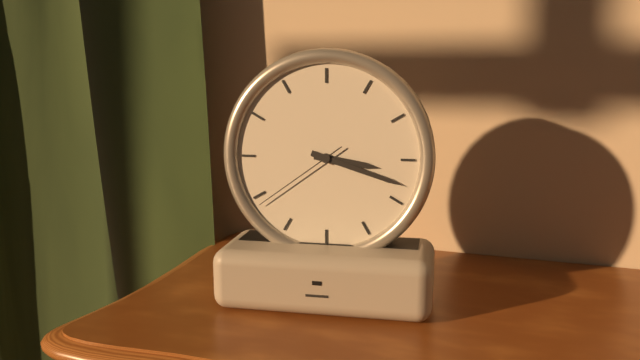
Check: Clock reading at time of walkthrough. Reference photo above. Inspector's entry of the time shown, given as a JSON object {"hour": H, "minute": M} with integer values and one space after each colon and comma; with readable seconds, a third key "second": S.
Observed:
{"hour": 3, "minute": 18, "second": 39}
